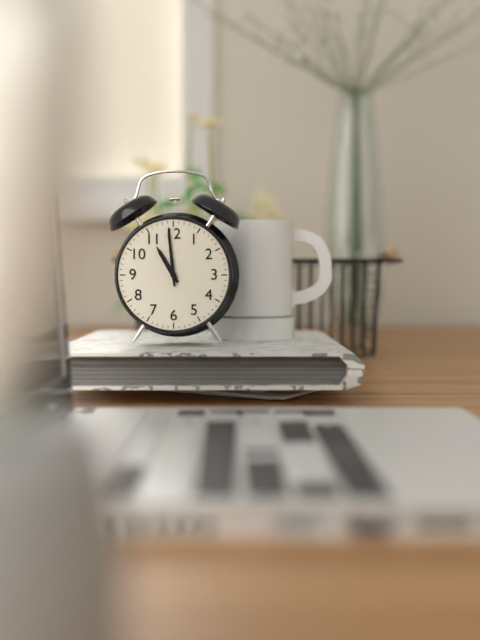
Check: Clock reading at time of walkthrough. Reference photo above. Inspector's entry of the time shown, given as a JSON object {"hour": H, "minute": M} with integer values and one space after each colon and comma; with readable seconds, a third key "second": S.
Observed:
{"hour": 10, "minute": 59}
